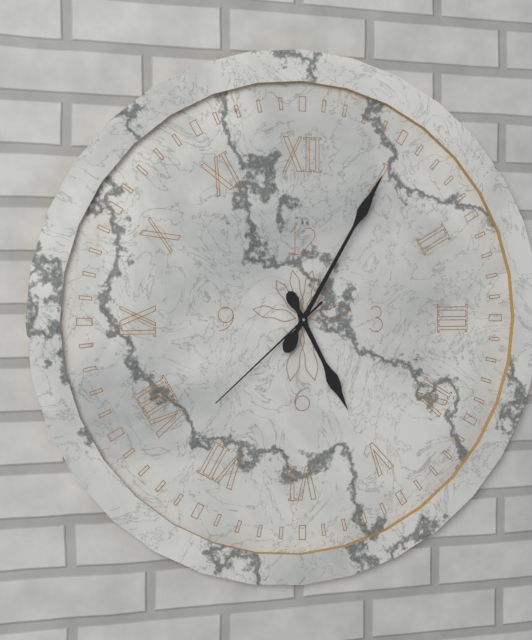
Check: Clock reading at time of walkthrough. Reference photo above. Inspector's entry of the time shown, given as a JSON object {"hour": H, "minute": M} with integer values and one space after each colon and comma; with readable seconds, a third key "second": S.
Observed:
{"hour": 5, "minute": 5, "second": 38}
